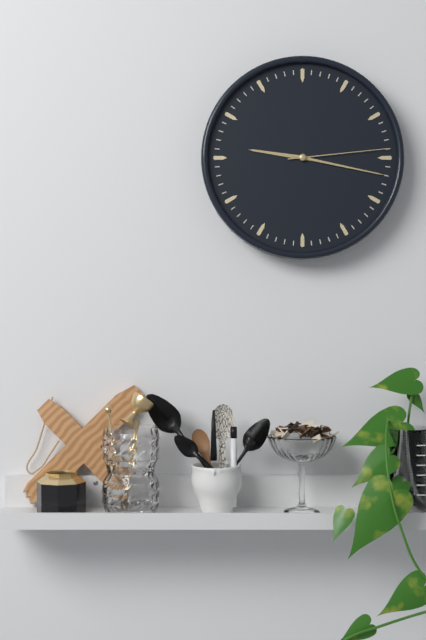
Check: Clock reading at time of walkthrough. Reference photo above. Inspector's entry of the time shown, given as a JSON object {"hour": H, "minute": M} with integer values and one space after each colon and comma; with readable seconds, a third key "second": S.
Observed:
{"hour": 9, "minute": 17, "second": 14}
